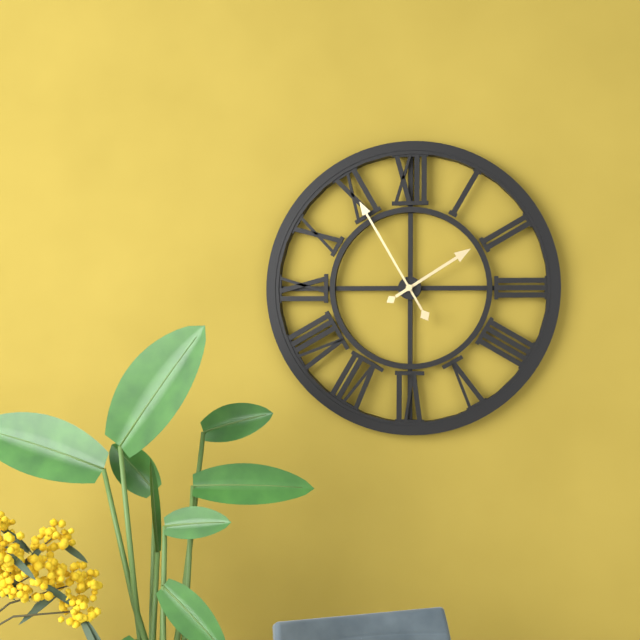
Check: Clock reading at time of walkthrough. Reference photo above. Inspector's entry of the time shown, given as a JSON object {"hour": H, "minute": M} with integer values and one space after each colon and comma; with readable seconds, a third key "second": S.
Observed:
{"hour": 1, "minute": 55}
